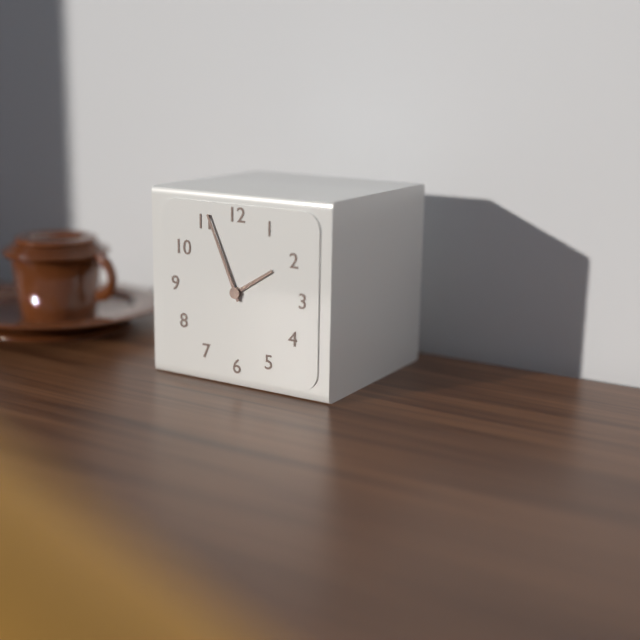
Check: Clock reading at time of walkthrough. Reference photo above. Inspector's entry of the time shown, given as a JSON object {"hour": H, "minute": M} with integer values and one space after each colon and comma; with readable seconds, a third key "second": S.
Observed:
{"hour": 1, "minute": 56}
